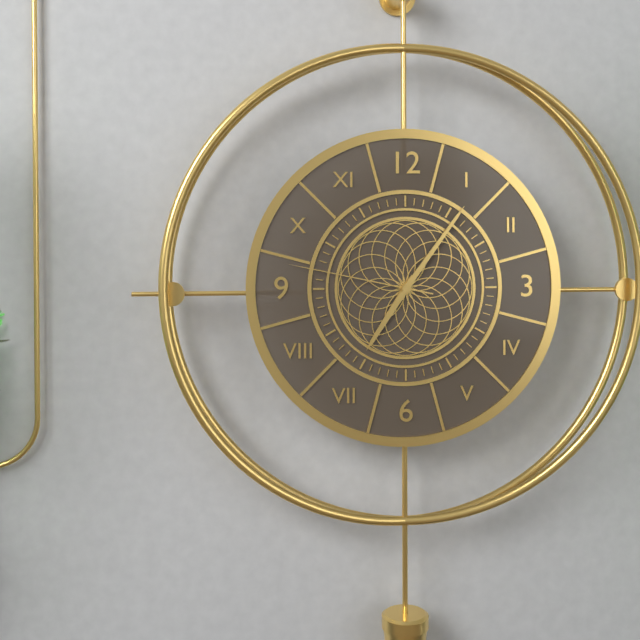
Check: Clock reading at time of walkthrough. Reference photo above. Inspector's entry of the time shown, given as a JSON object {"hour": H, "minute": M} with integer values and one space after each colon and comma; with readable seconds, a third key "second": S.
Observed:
{"hour": 7, "minute": 6, "second": 47}
